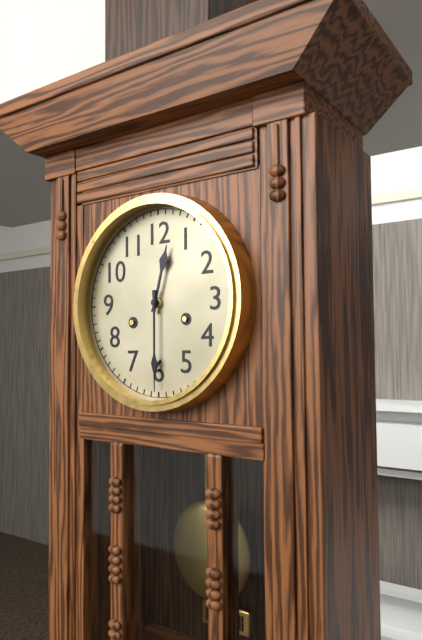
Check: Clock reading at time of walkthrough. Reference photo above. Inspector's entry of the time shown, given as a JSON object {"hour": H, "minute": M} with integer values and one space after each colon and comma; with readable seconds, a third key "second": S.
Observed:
{"hour": 12, "minute": 30}
